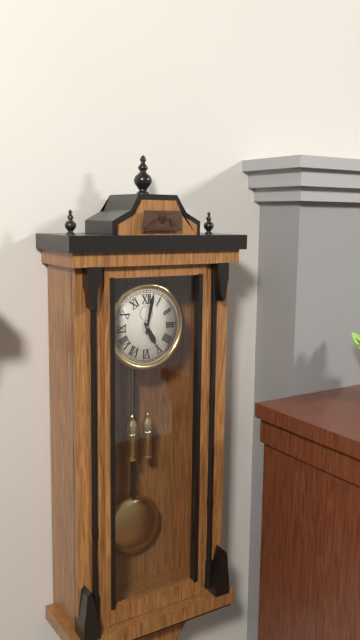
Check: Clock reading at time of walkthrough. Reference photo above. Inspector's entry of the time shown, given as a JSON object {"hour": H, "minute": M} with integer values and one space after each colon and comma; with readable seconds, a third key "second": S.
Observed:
{"hour": 5, "minute": 2}
